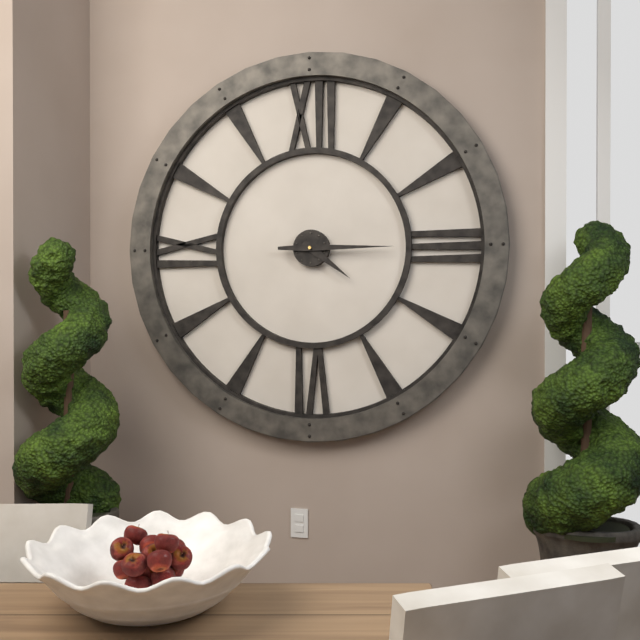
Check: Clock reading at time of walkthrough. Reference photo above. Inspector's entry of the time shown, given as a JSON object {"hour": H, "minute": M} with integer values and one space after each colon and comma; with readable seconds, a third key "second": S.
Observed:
{"hour": 4, "minute": 15}
